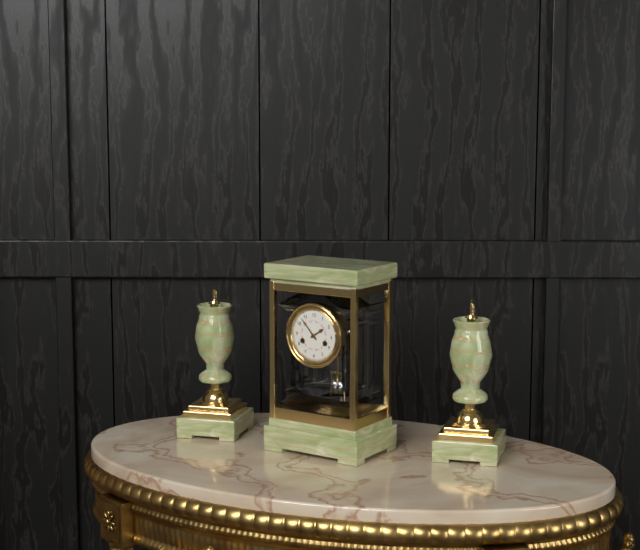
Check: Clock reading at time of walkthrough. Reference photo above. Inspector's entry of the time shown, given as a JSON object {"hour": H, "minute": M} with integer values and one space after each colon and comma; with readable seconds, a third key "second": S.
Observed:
{"hour": 1, "minute": 53}
